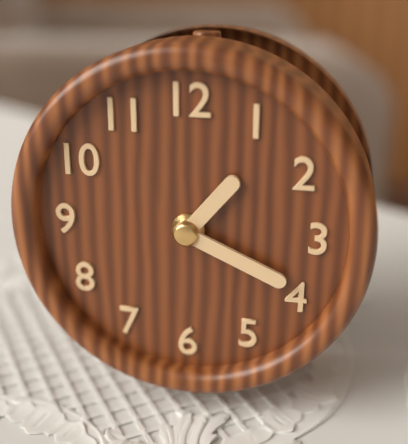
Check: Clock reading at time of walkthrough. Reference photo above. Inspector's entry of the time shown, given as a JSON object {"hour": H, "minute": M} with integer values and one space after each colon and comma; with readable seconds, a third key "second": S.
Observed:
{"hour": 1, "minute": 19}
